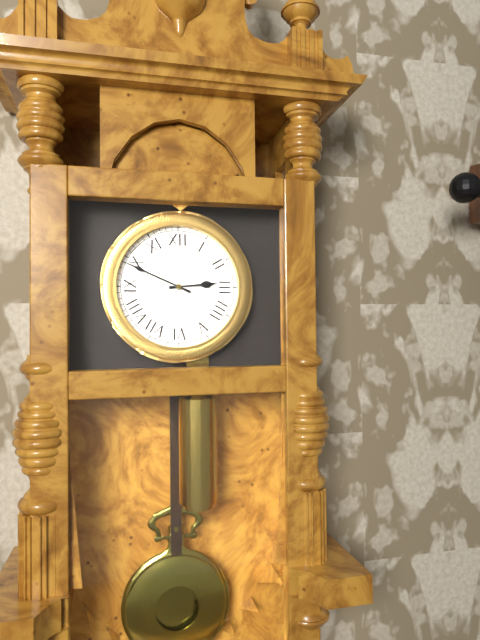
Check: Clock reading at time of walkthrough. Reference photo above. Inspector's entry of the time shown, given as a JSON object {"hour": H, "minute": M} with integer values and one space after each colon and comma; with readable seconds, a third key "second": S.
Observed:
{"hour": 2, "minute": 49}
